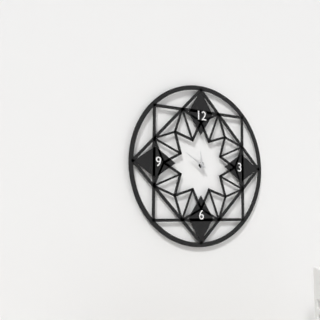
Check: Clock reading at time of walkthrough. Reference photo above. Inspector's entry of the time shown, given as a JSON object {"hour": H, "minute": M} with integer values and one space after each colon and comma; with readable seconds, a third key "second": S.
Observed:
{"hour": 11, "minute": 50}
